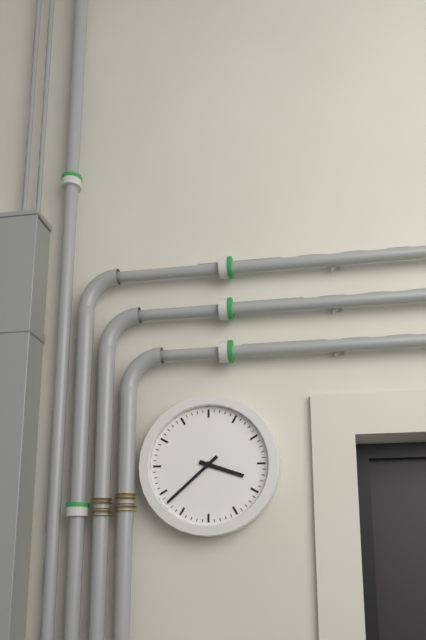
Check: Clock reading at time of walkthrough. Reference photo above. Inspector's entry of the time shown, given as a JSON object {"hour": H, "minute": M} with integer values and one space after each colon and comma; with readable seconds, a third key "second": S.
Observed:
{"hour": 3, "minute": 38}
